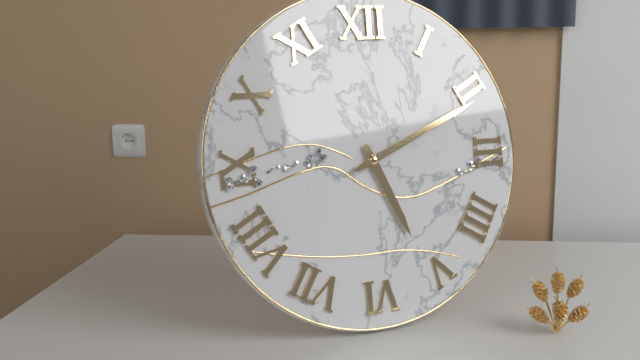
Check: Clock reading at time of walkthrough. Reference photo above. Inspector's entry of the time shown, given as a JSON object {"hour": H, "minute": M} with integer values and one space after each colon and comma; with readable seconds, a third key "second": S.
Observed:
{"hour": 5, "minute": 11}
